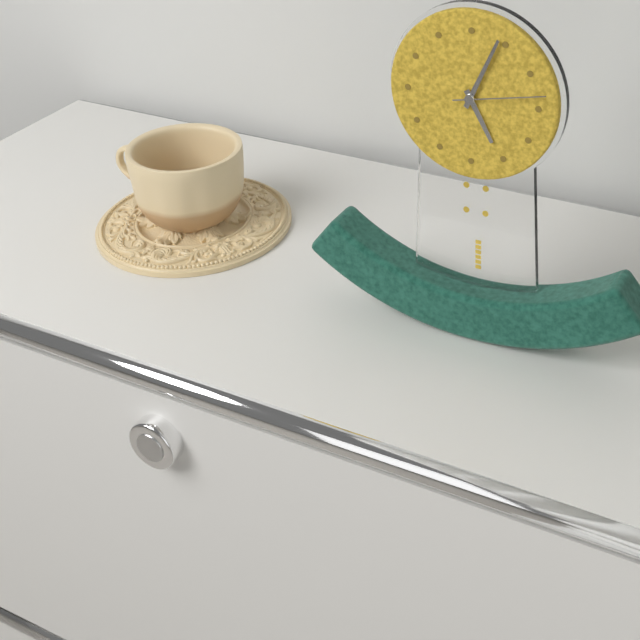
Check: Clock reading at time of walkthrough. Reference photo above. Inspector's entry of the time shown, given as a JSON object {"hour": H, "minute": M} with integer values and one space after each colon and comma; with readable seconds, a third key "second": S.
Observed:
{"hour": 5, "minute": 4, "second": 13}
